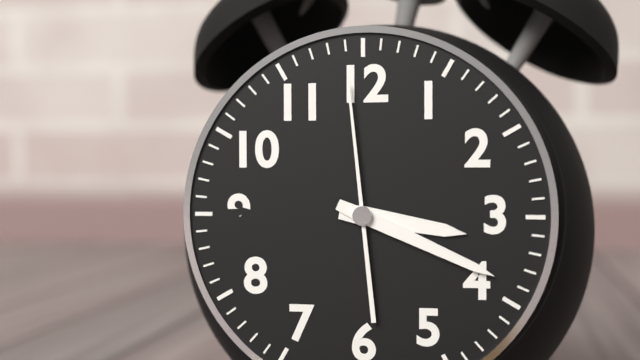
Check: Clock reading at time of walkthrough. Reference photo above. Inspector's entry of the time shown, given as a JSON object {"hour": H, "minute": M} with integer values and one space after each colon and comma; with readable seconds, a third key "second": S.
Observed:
{"hour": 3, "minute": 19, "second": 59}
